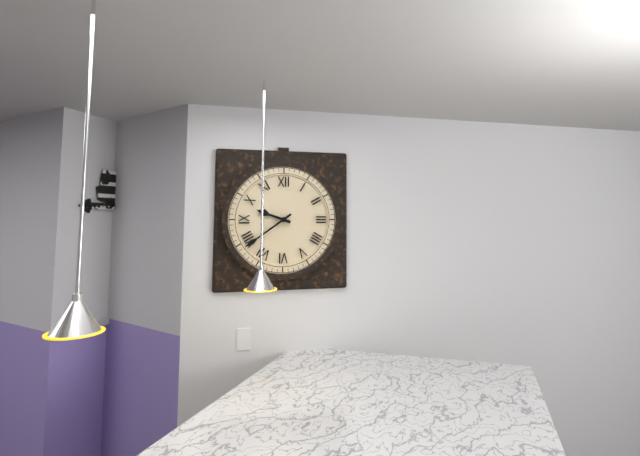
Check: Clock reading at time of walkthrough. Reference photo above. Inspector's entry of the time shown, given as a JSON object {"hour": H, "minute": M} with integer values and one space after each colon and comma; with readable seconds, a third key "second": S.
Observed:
{"hour": 9, "minute": 39}
